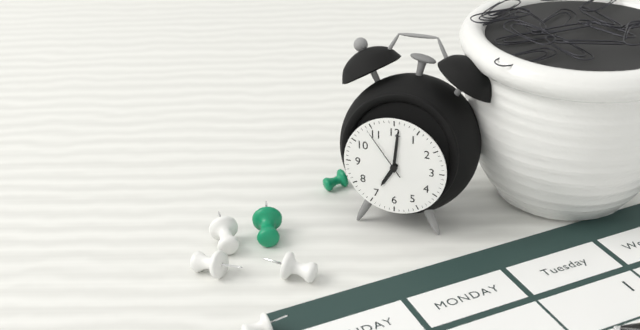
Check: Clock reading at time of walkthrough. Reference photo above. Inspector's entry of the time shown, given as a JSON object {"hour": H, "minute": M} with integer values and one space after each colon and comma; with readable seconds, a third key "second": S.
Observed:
{"hour": 7, "minute": 1, "second": 54}
